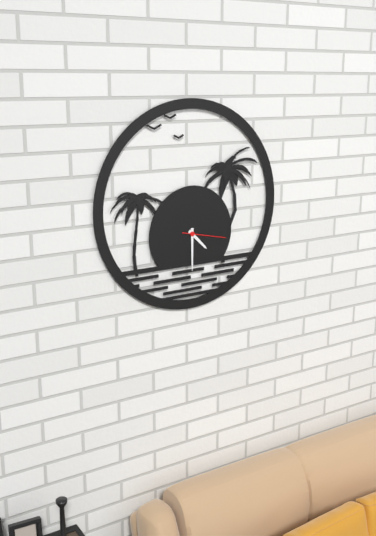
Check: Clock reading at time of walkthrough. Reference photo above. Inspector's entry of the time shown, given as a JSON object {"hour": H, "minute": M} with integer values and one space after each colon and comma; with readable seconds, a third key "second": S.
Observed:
{"hour": 4, "minute": 30}
